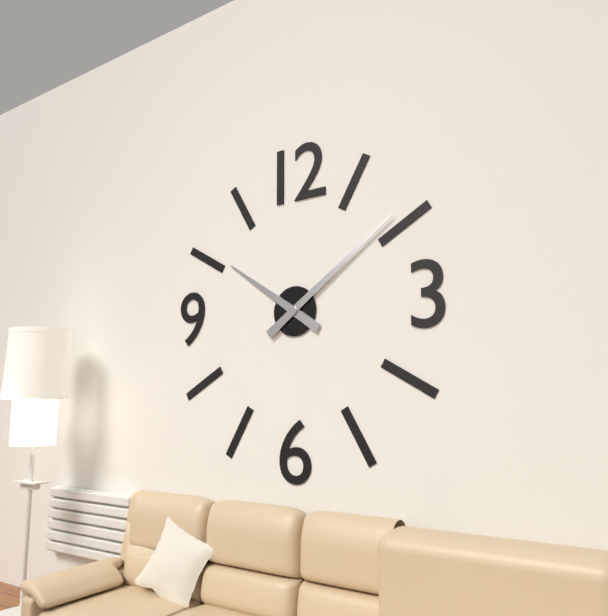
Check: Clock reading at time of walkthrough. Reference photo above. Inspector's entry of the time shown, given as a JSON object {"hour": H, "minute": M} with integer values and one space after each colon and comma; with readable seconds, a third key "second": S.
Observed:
{"hour": 10, "minute": 9}
